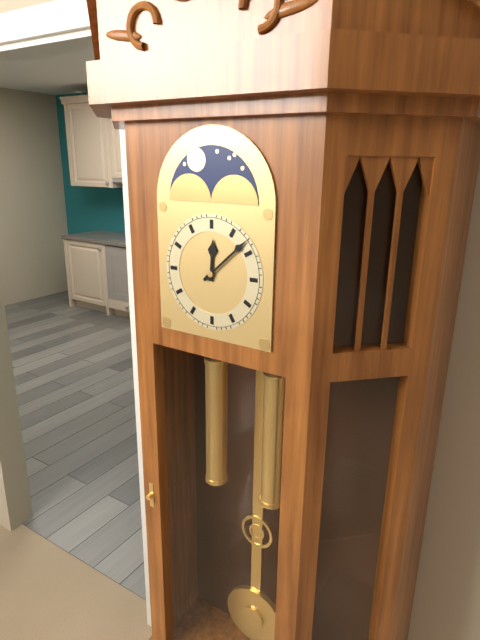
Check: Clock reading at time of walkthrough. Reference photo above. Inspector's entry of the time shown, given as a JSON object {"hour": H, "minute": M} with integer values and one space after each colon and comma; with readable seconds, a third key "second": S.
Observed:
{"hour": 12, "minute": 8}
